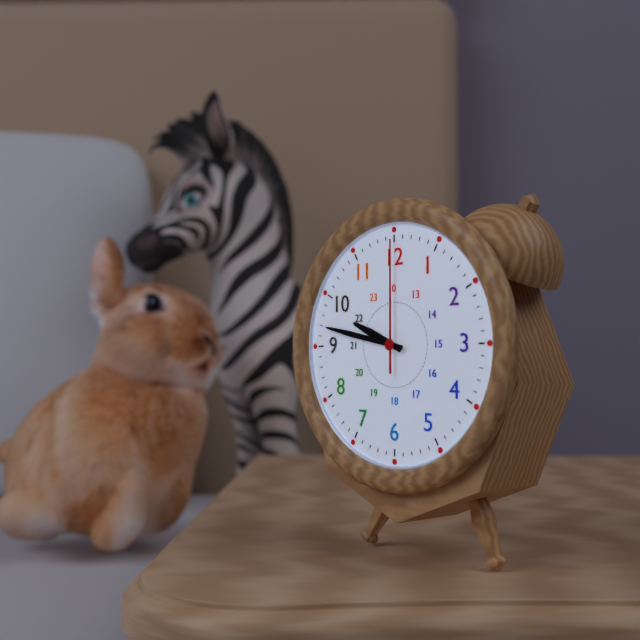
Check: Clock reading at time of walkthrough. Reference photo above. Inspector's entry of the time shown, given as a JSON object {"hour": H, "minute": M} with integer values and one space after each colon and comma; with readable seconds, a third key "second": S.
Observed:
{"hour": 9, "minute": 47, "second": 0}
